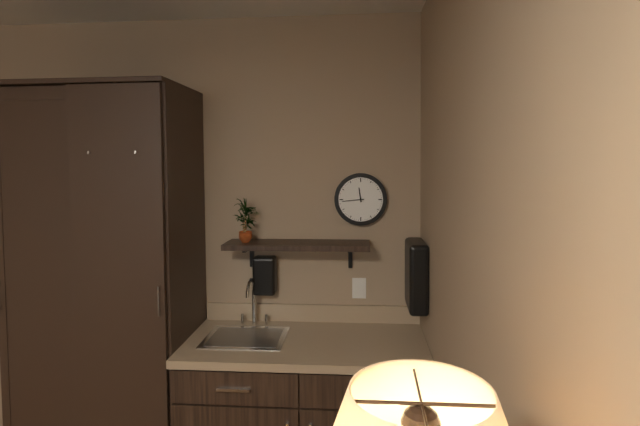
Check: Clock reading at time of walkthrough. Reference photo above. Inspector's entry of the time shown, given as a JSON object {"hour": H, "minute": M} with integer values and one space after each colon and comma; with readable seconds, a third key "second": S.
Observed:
{"hour": 11, "minute": 44}
